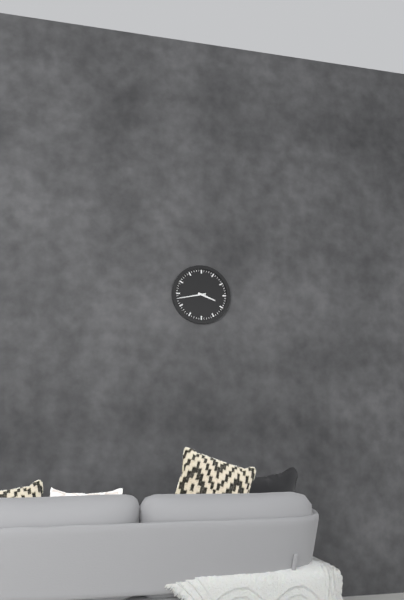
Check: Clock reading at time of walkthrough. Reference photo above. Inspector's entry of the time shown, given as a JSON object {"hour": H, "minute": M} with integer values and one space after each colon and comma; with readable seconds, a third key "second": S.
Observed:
{"hour": 3, "minute": 43}
